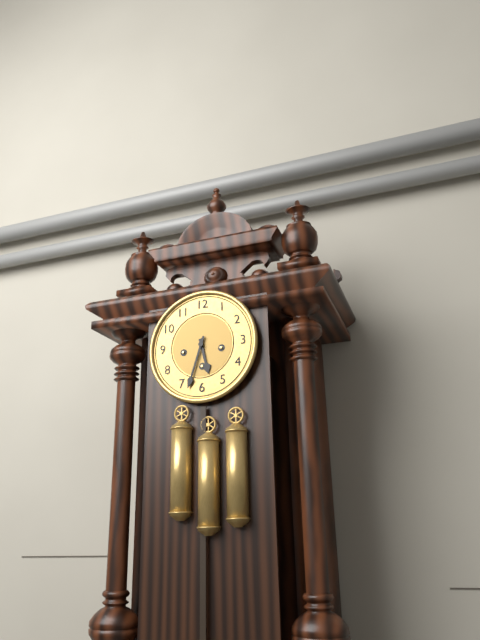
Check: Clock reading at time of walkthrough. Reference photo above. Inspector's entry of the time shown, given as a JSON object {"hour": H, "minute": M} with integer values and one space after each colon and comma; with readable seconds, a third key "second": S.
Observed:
{"hour": 5, "minute": 33}
